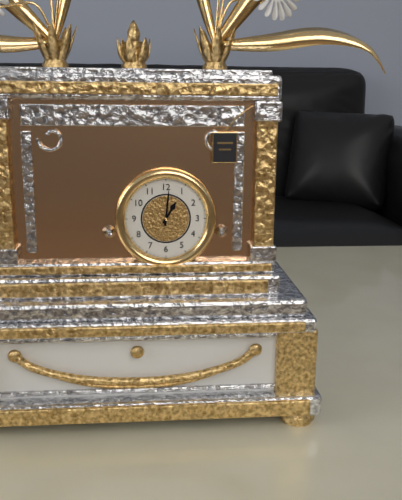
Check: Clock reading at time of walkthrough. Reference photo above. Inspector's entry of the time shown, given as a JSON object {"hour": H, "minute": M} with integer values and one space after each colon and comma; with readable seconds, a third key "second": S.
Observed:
{"hour": 1, "minute": 1}
